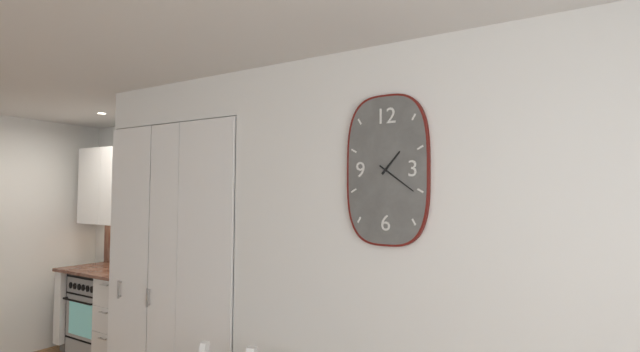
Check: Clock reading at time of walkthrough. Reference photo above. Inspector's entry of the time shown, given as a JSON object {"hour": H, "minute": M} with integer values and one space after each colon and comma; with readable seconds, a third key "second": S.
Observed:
{"hour": 1, "minute": 21}
